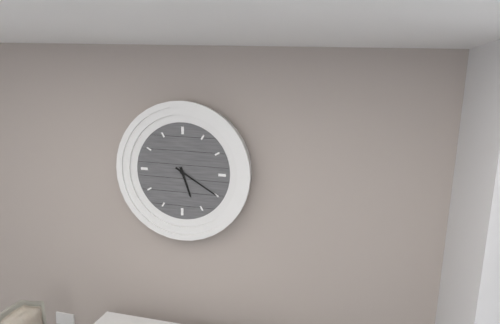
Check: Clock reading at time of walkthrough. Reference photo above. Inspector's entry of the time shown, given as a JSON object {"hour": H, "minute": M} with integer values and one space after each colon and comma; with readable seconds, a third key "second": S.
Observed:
{"hour": 5, "minute": 20}
